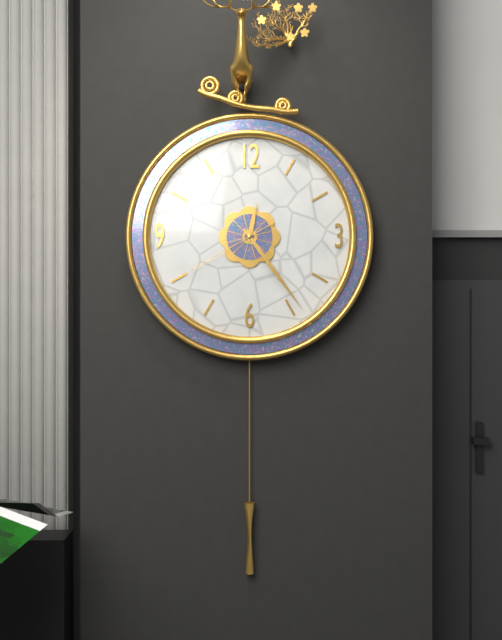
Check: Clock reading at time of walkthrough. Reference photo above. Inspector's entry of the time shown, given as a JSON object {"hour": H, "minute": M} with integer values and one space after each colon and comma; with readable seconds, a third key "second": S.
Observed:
{"hour": 12, "minute": 24, "second": 40}
